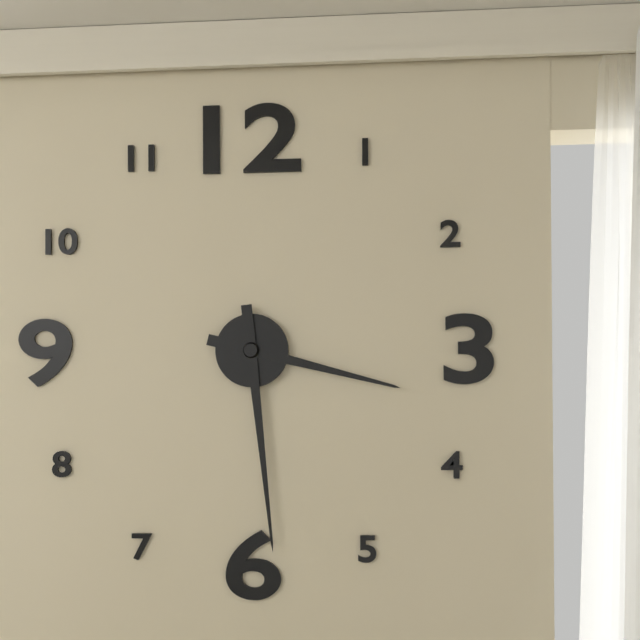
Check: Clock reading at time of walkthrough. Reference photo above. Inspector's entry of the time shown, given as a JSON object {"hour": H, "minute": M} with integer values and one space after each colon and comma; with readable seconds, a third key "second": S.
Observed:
{"hour": 3, "minute": 29}
